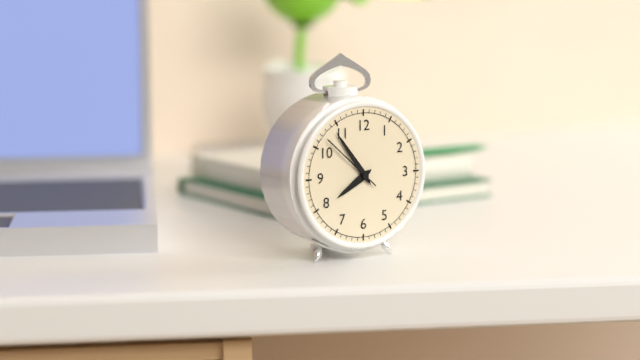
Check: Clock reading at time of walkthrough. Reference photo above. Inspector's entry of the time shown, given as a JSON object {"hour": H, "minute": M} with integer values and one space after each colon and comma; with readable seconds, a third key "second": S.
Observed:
{"hour": 7, "minute": 54, "second": 52}
